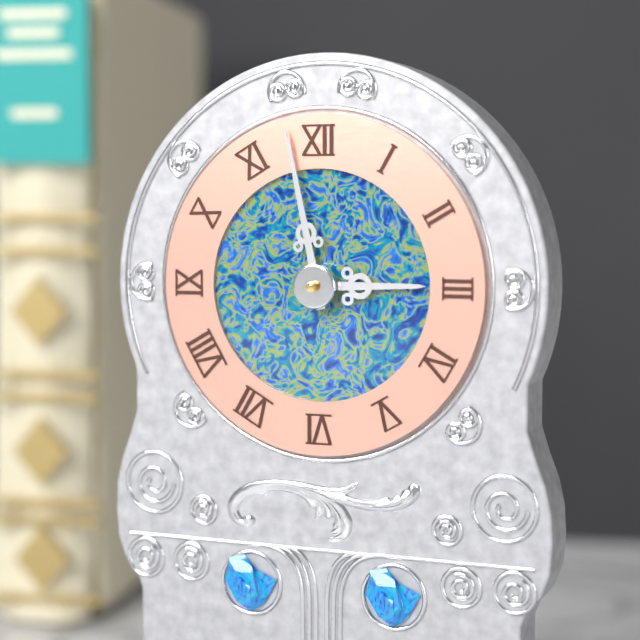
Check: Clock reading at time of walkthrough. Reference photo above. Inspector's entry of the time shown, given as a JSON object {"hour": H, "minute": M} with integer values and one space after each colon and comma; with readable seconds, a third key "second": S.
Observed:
{"hour": 2, "minute": 58}
